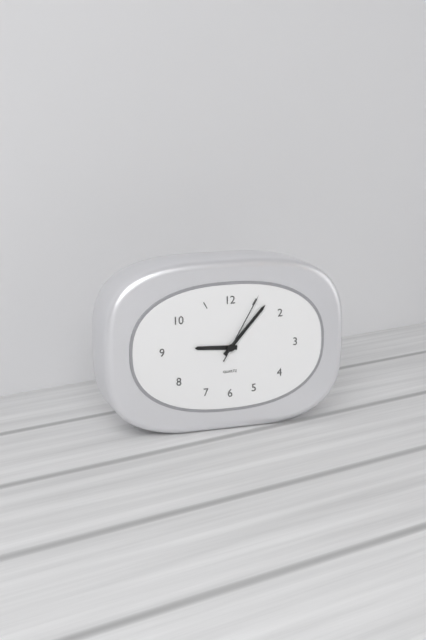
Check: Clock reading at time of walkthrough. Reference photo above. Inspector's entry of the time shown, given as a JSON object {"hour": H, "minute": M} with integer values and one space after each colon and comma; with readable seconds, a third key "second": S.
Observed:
{"hour": 9, "minute": 7, "second": 5}
